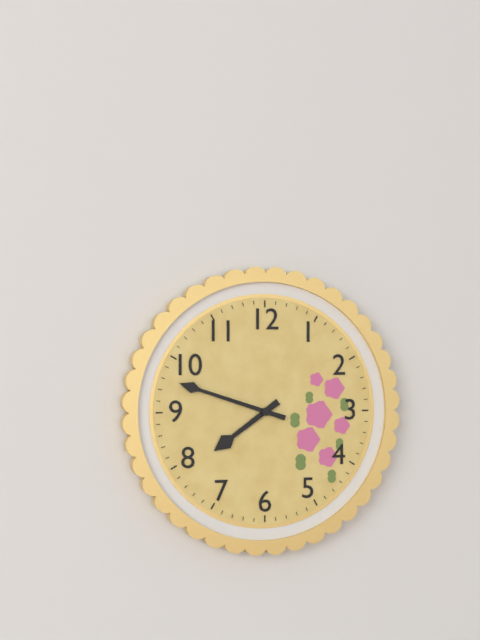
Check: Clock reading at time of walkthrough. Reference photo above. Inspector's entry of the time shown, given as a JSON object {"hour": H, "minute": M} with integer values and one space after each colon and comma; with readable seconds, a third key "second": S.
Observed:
{"hour": 7, "minute": 48}
